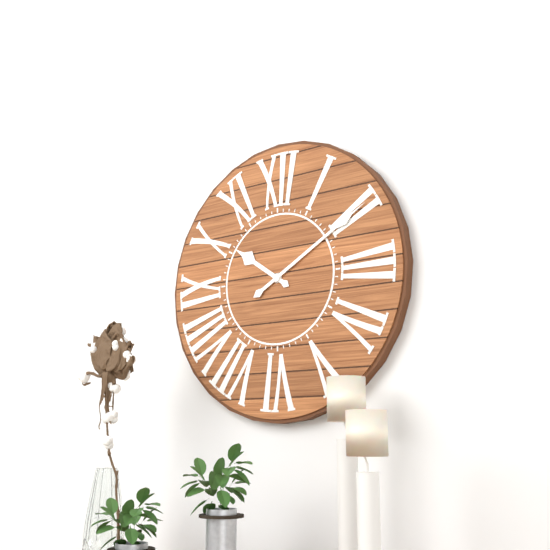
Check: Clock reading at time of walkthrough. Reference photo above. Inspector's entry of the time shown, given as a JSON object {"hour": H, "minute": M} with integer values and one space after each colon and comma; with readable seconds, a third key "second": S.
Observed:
{"hour": 10, "minute": 10}
